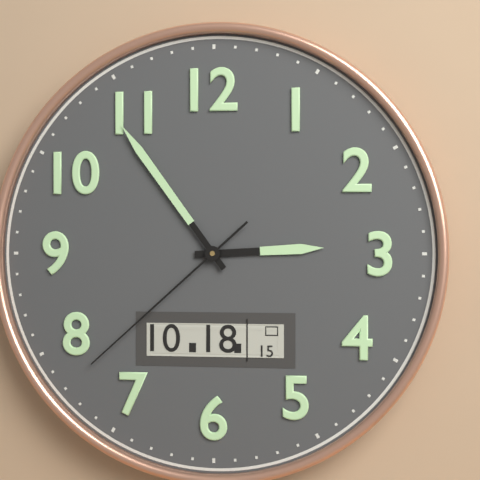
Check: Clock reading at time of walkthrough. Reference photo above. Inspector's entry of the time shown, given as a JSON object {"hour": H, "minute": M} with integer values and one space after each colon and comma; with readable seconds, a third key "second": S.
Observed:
{"hour": 2, "minute": 54, "second": 38}
